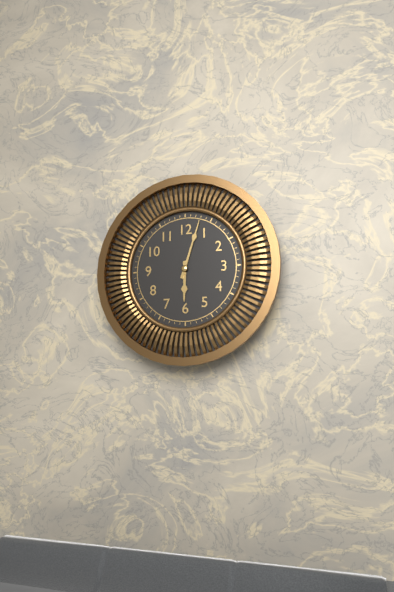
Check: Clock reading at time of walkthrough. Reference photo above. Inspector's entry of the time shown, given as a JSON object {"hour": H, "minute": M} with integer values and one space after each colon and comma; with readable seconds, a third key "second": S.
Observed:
{"hour": 6, "minute": 3}
